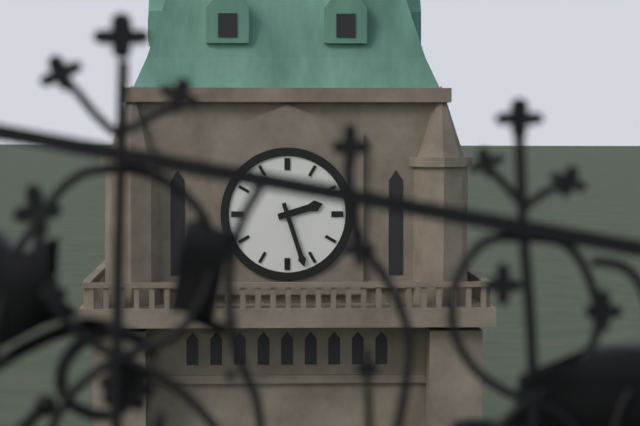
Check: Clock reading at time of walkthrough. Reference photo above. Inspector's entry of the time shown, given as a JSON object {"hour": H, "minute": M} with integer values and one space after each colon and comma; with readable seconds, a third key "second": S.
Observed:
{"hour": 2, "minute": 27}
